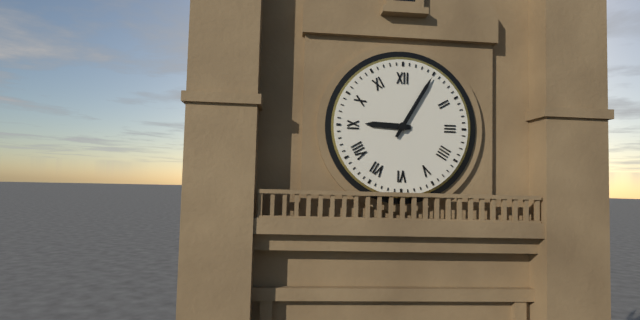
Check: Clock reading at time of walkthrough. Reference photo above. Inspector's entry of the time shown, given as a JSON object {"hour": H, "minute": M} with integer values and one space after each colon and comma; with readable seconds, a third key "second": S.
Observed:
{"hour": 9, "minute": 5}
